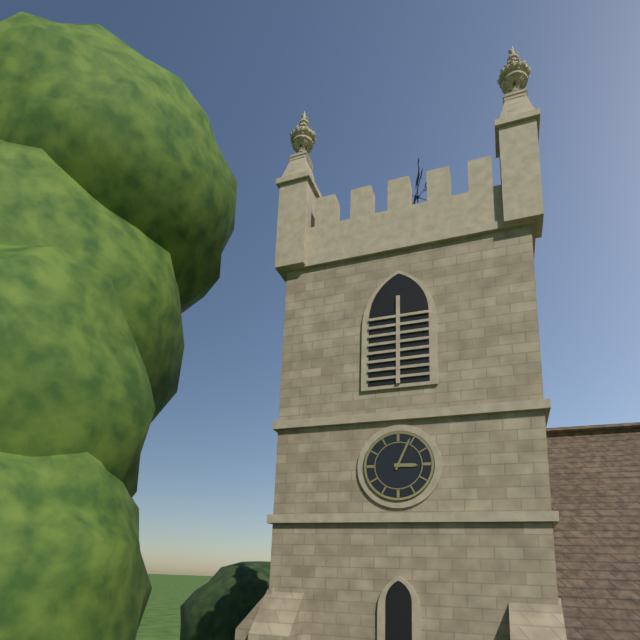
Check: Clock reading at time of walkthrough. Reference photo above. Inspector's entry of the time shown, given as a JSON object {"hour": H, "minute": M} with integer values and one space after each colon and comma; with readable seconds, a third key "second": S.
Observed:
{"hour": 3, "minute": 4}
